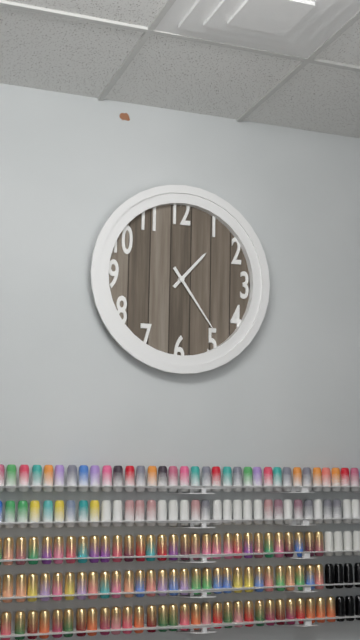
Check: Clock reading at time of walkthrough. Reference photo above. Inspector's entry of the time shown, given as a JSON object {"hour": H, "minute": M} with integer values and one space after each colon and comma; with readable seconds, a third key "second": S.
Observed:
{"hour": 1, "minute": 24}
